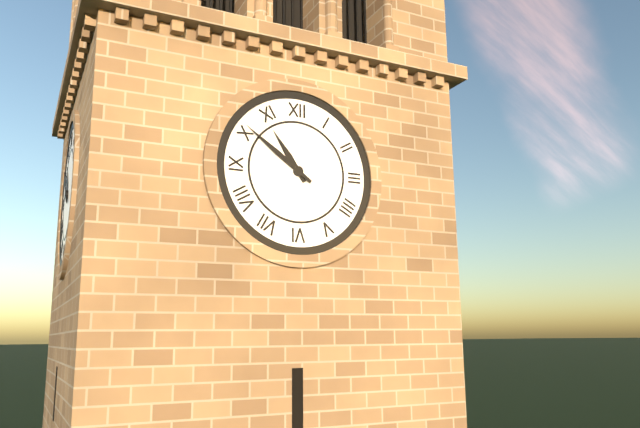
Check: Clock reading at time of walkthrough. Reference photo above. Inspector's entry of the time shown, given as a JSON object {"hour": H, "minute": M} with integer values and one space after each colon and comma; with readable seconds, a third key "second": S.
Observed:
{"hour": 10, "minute": 51}
